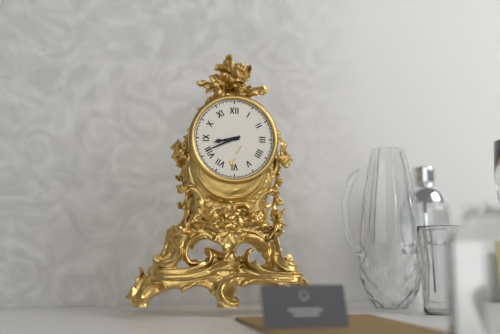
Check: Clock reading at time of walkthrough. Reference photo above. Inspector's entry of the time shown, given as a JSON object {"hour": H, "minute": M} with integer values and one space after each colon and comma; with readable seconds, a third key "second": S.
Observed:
{"hour": 8, "minute": 41}
